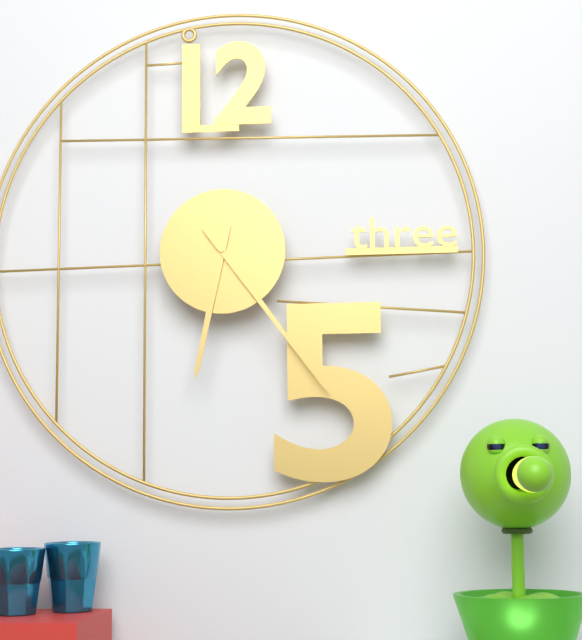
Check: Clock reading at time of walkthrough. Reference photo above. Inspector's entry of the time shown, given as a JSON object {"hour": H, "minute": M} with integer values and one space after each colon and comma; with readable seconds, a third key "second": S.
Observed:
{"hour": 6, "minute": 24}
